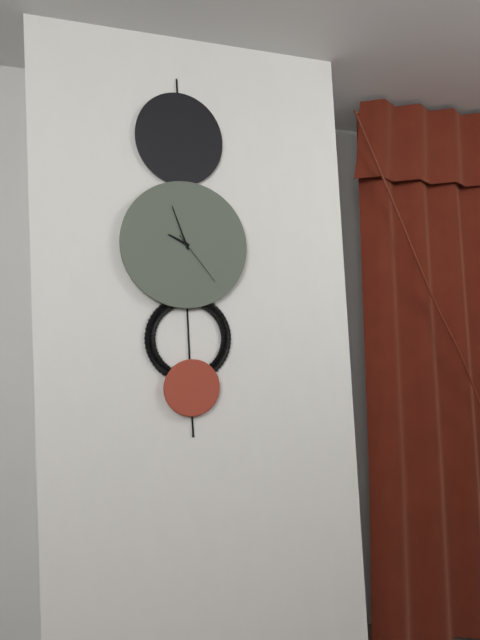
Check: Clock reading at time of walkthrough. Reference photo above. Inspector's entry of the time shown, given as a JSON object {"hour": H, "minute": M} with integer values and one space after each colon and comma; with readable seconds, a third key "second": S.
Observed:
{"hour": 9, "minute": 57, "second": 24}
